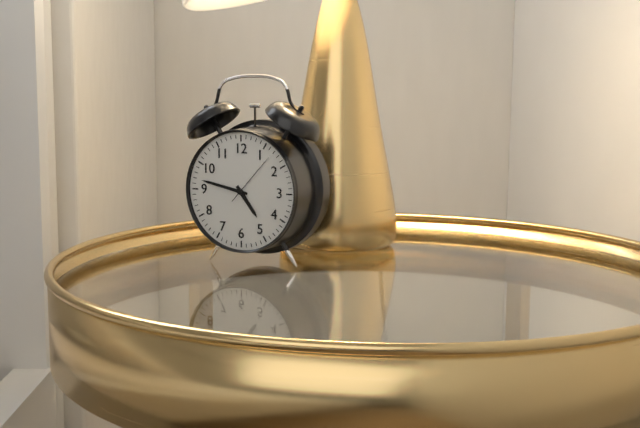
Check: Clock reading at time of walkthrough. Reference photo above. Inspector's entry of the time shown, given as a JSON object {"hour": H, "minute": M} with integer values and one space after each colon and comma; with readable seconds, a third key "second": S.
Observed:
{"hour": 4, "minute": 47}
